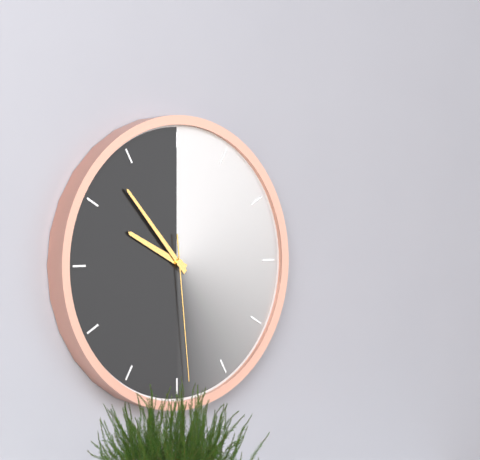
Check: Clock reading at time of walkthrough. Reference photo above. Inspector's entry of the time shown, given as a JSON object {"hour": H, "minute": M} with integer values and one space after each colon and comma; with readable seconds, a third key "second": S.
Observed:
{"hour": 9, "minute": 53, "second": 29}
